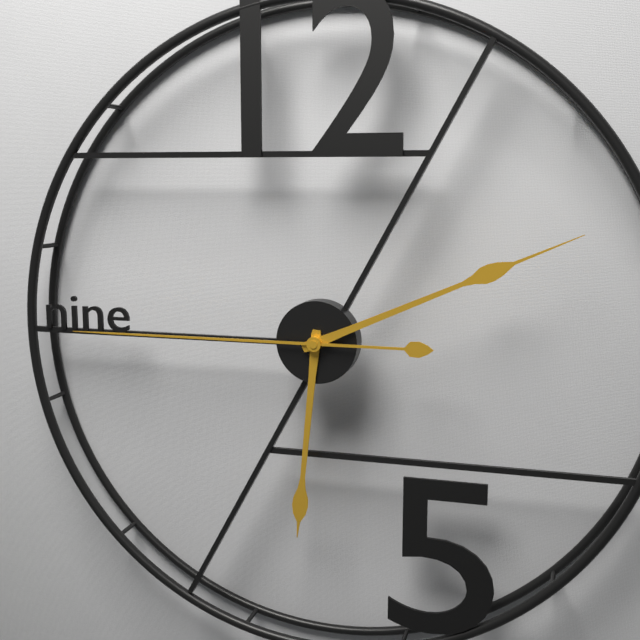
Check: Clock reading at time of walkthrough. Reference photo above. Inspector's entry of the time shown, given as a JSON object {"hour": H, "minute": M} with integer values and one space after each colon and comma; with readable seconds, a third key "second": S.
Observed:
{"hour": 6, "minute": 11, "second": 45}
